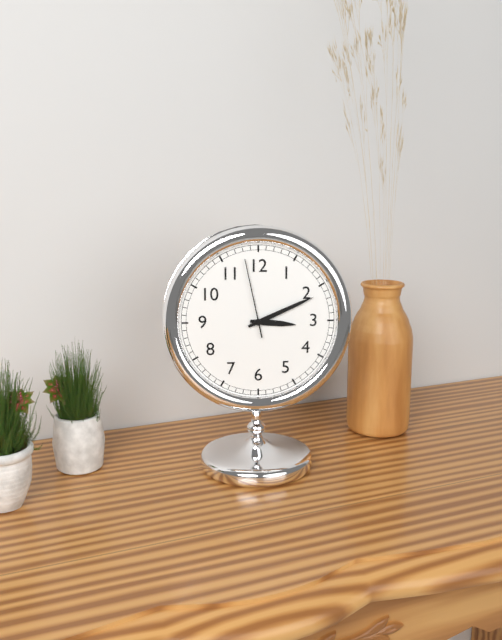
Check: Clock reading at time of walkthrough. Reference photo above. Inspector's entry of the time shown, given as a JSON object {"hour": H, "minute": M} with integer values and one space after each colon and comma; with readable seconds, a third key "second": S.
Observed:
{"hour": 3, "minute": 11, "second": 58}
